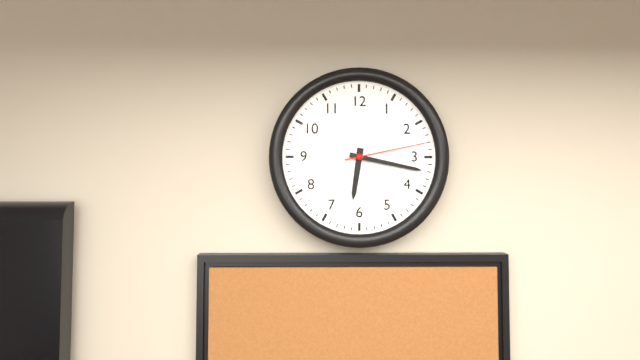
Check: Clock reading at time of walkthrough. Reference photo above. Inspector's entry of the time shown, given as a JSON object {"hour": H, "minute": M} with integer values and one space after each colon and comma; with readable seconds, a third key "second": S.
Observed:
{"hour": 6, "minute": 17, "second": 13}
